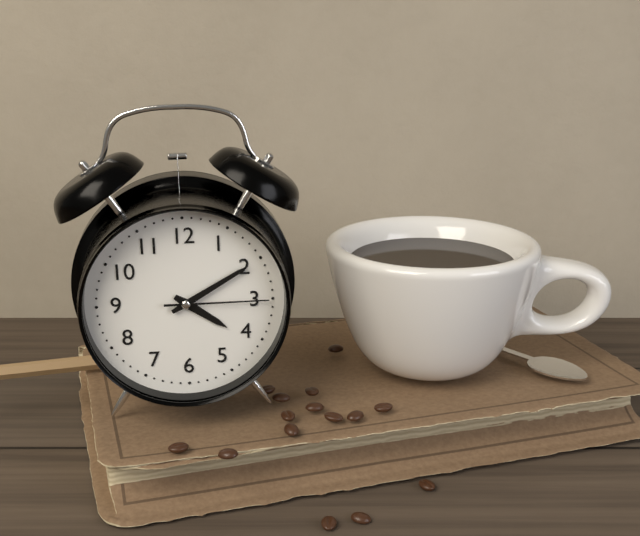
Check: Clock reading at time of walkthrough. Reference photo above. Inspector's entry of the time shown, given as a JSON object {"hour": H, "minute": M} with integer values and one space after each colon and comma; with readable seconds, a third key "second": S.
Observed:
{"hour": 4, "minute": 10, "second": 15}
